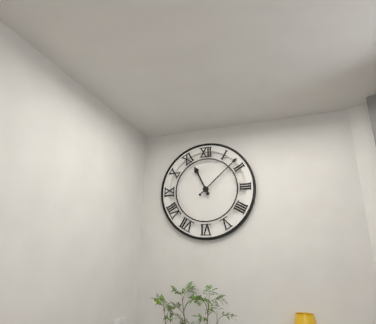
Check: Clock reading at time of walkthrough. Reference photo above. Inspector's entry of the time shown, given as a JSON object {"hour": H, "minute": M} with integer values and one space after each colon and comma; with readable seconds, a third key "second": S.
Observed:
{"hour": 11, "minute": 8}
